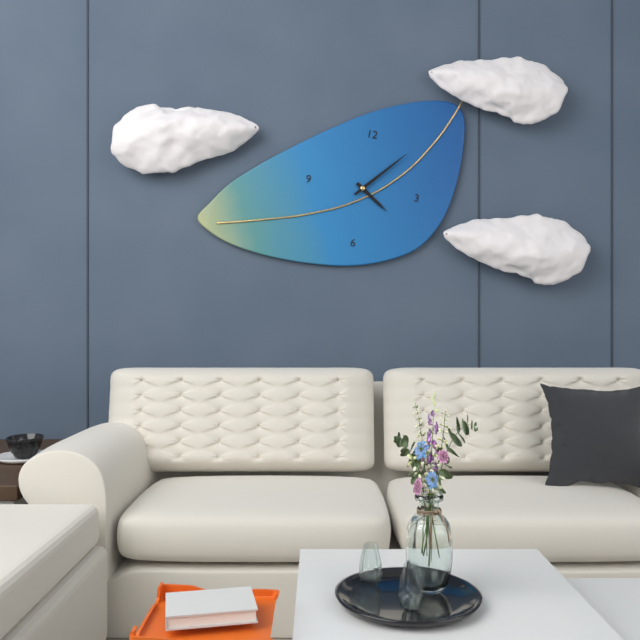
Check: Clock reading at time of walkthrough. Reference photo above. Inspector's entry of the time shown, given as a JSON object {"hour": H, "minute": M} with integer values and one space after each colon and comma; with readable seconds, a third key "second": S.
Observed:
{"hour": 4, "minute": 7}
